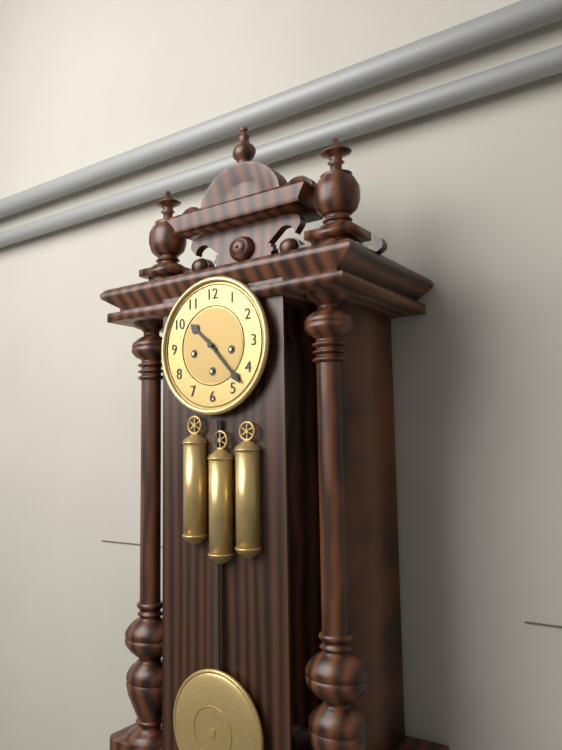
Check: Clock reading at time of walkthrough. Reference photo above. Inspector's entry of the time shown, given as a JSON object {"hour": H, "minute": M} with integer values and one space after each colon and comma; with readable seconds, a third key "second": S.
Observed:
{"hour": 10, "minute": 23}
